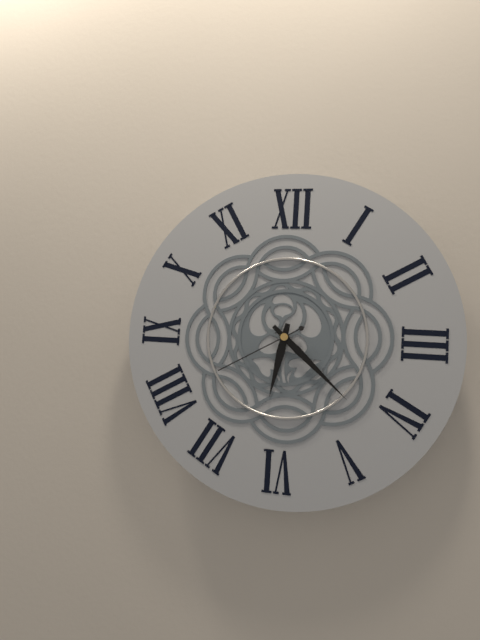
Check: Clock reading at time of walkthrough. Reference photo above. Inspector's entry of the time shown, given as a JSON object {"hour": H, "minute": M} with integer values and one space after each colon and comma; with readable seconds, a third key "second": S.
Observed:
{"hour": 6, "minute": 22, "second": 40}
